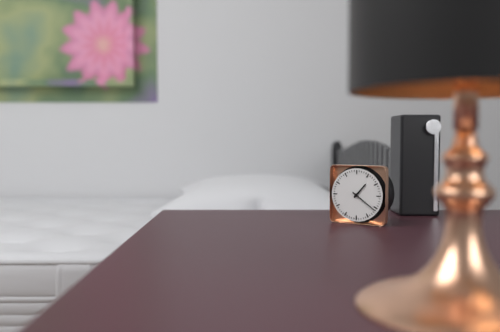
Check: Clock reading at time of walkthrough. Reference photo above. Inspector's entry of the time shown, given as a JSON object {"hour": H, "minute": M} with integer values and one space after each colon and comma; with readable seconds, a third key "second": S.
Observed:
{"hour": 1, "minute": 21}
